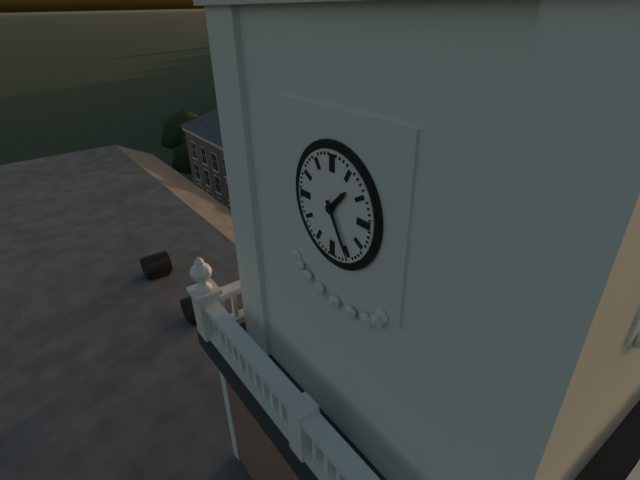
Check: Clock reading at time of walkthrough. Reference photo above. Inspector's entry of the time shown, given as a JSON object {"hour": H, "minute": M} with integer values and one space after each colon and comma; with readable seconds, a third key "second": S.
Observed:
{"hour": 1, "minute": 25}
